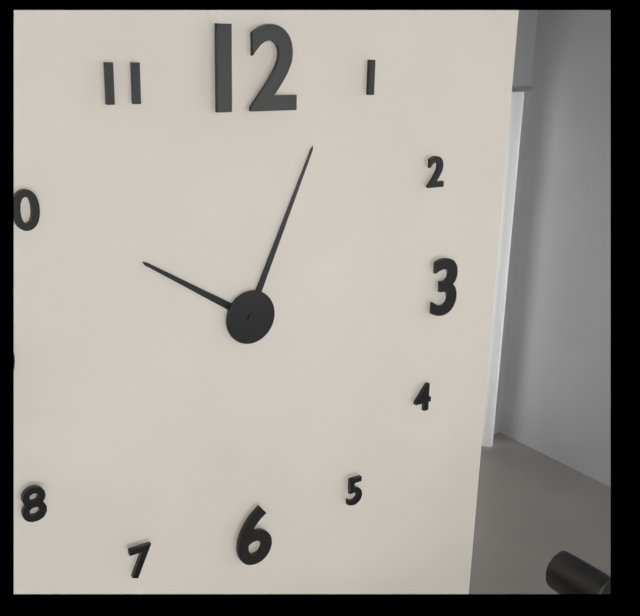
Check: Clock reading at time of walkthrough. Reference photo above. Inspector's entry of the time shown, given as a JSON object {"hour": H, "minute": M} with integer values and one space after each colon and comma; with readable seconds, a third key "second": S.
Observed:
{"hour": 10, "minute": 4}
